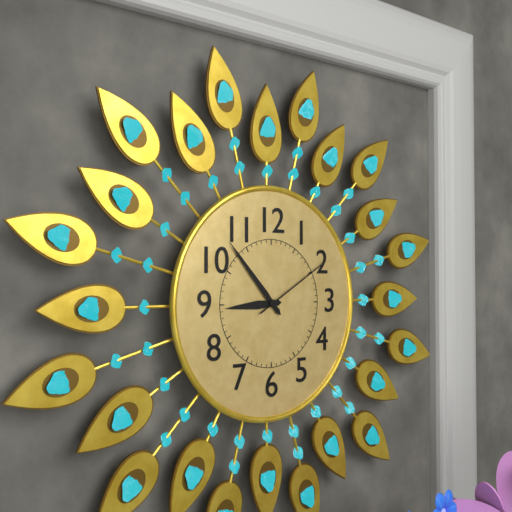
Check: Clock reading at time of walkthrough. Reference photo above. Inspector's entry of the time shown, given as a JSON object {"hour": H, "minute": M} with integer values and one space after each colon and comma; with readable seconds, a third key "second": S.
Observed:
{"hour": 8, "minute": 53, "second": 10}
